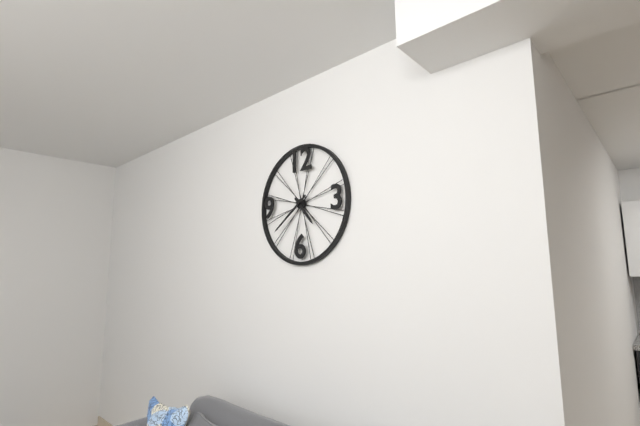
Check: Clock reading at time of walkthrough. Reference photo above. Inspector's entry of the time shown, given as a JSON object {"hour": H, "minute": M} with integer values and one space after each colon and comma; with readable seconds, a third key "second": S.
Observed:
{"hour": 4, "minute": 39}
